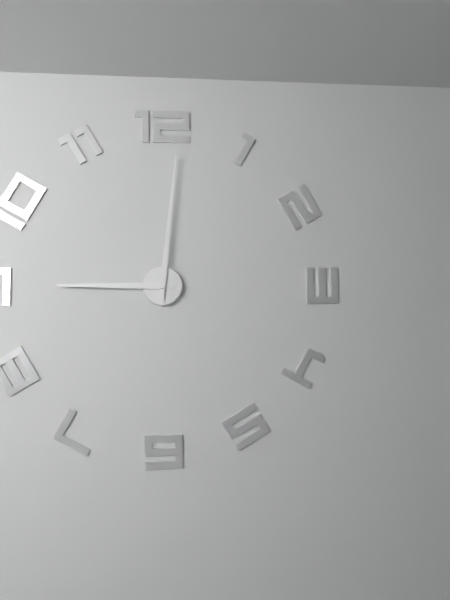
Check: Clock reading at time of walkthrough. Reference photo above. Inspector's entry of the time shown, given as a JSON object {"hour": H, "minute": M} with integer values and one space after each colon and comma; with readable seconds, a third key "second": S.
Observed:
{"hour": 9, "minute": 1}
